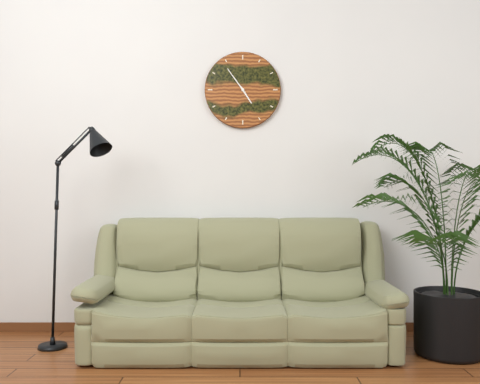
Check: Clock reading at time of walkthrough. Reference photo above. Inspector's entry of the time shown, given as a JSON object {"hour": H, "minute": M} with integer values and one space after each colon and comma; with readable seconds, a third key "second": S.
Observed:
{"hour": 4, "minute": 54}
